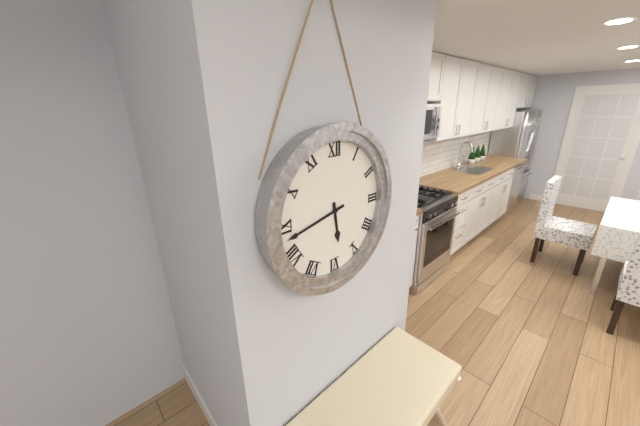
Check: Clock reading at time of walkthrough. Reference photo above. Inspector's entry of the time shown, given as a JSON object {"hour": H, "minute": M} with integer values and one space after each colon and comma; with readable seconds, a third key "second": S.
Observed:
{"hour": 5, "minute": 43}
